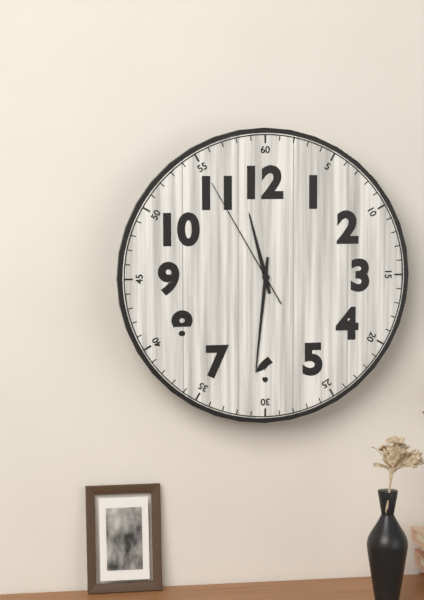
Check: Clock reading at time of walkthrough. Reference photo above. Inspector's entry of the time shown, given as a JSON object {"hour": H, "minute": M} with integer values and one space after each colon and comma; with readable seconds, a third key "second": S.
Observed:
{"hour": 11, "minute": 31, "second": 55}
